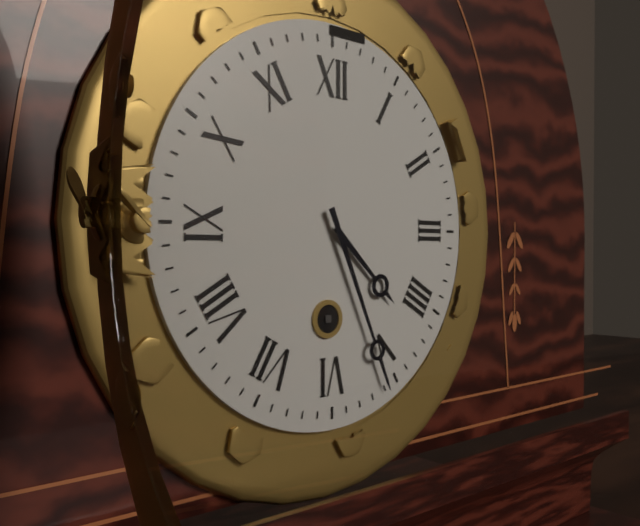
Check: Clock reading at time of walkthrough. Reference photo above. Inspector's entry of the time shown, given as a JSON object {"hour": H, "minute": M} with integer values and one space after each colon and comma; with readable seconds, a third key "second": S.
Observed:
{"hour": 4, "minute": 26}
